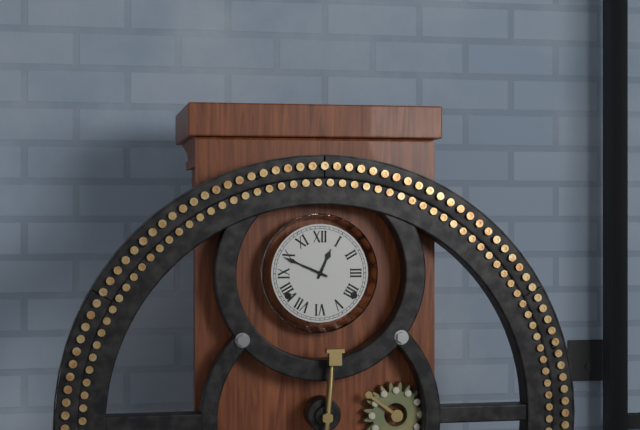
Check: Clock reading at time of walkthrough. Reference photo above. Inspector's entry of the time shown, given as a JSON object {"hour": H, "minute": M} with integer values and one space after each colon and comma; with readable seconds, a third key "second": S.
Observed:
{"hour": 12, "minute": 49}
